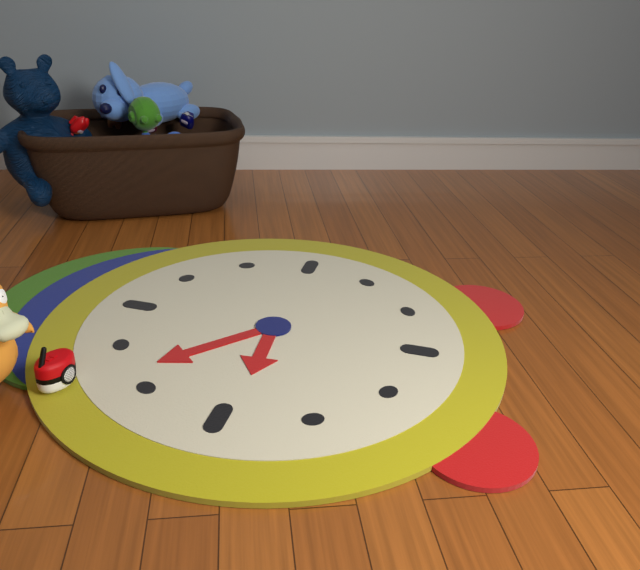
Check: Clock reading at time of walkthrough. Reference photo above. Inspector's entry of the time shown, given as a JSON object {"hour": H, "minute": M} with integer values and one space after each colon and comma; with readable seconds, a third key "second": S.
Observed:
{"hour": 8, "minute": 52}
